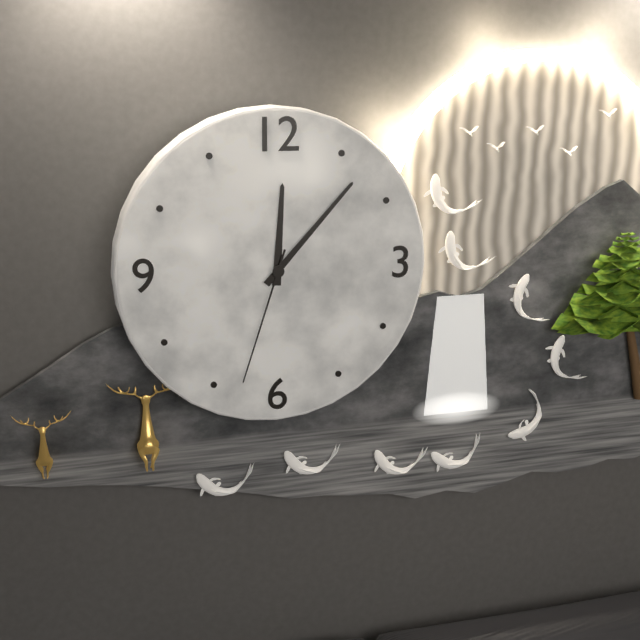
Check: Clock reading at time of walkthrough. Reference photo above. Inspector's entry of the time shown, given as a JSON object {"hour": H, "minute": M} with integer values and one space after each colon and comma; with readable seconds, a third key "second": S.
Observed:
{"hour": 12, "minute": 7, "second": 33}
